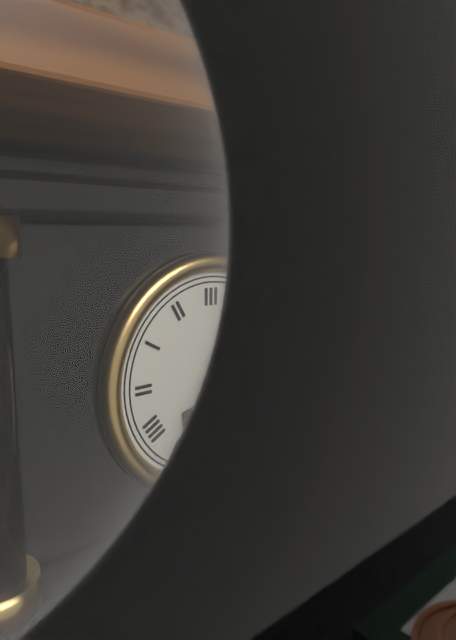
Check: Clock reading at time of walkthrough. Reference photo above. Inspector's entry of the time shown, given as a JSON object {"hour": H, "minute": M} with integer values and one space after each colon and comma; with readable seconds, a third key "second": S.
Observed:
{"hour": 7, "minute": 6}
